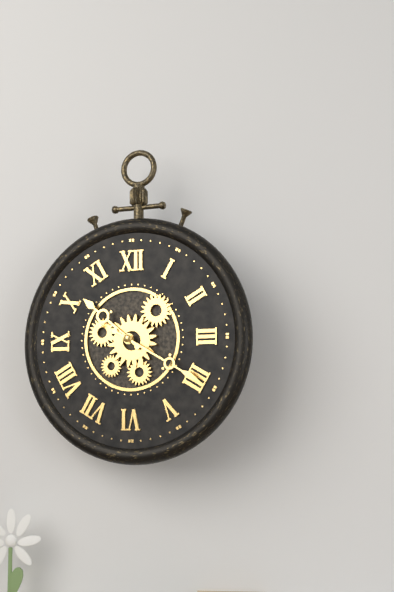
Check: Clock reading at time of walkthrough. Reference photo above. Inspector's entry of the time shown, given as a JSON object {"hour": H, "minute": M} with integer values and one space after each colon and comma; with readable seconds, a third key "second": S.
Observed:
{"hour": 10, "minute": 20}
